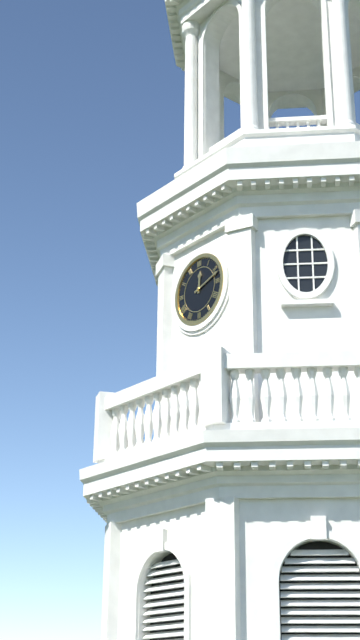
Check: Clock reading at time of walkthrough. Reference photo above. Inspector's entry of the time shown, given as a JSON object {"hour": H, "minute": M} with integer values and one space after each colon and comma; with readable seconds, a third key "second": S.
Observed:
{"hour": 12, "minute": 12}
